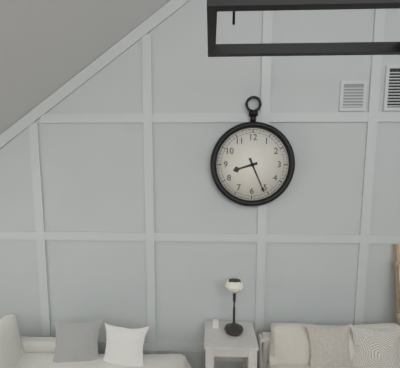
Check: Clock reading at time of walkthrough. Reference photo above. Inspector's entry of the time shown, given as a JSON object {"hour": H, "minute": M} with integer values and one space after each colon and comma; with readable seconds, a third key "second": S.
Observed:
{"hour": 8, "minute": 26}
